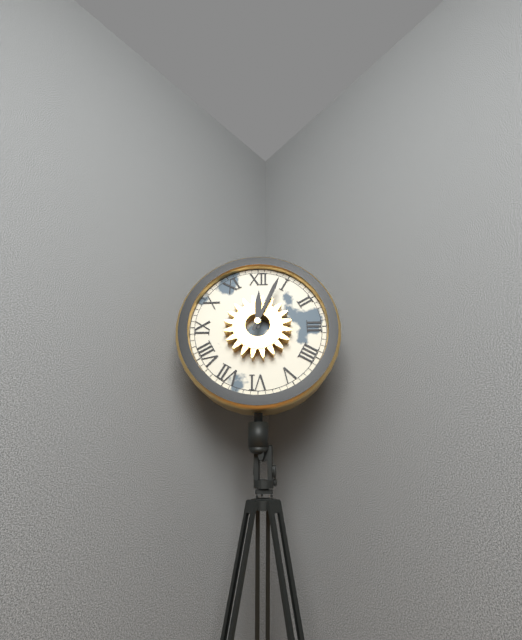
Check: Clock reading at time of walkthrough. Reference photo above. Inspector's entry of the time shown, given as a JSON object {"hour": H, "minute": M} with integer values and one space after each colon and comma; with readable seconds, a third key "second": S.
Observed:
{"hour": 12, "minute": 4}
